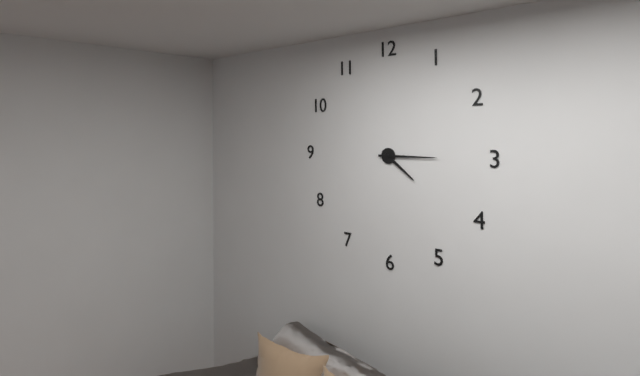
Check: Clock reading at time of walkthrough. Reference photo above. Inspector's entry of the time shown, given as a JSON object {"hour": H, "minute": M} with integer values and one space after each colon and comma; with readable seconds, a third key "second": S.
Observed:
{"hour": 4, "minute": 15}
